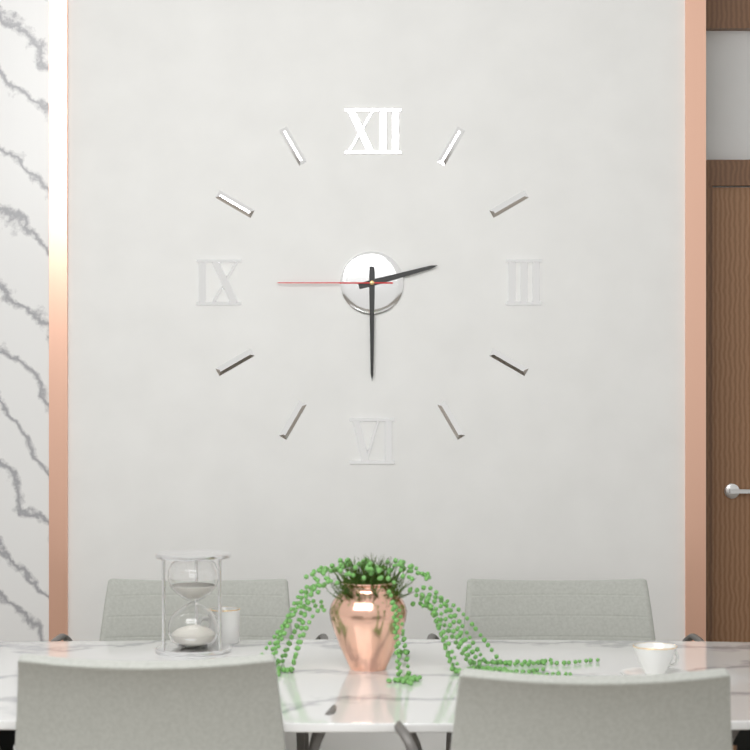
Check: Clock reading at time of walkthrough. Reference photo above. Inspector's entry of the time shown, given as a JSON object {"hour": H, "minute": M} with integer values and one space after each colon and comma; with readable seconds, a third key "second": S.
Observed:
{"hour": 2, "minute": 30, "second": 45}
